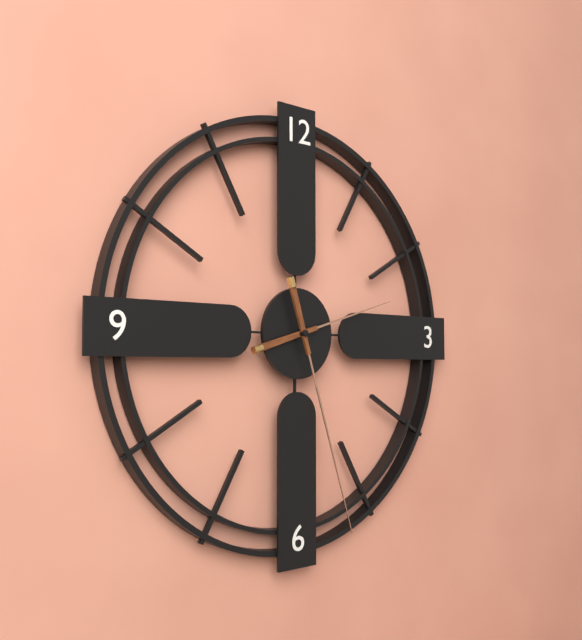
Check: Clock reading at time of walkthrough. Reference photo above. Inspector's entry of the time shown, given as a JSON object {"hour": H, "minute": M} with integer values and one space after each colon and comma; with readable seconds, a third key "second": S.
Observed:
{"hour": 2, "minute": 27}
